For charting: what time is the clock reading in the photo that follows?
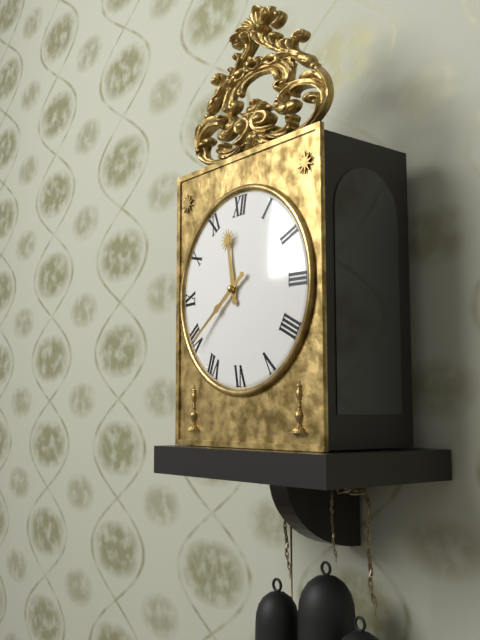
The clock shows 11:39
